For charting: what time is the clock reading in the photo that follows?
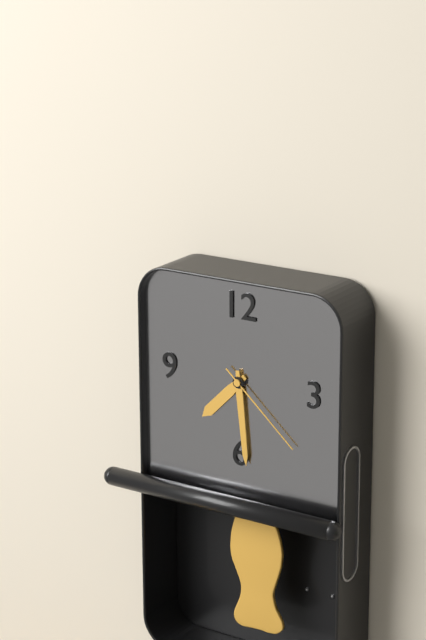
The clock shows 7:29:22
